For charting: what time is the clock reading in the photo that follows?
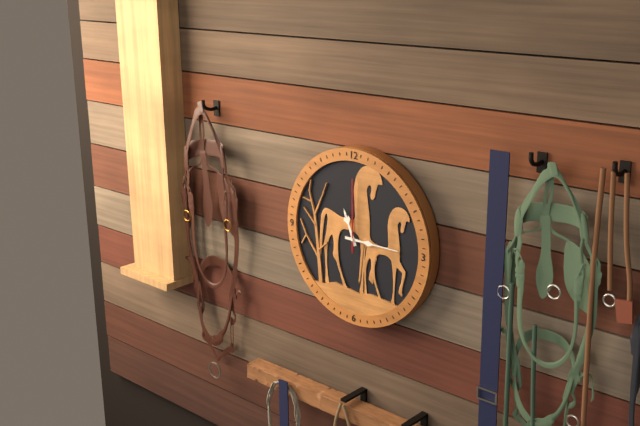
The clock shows 11:15:00
